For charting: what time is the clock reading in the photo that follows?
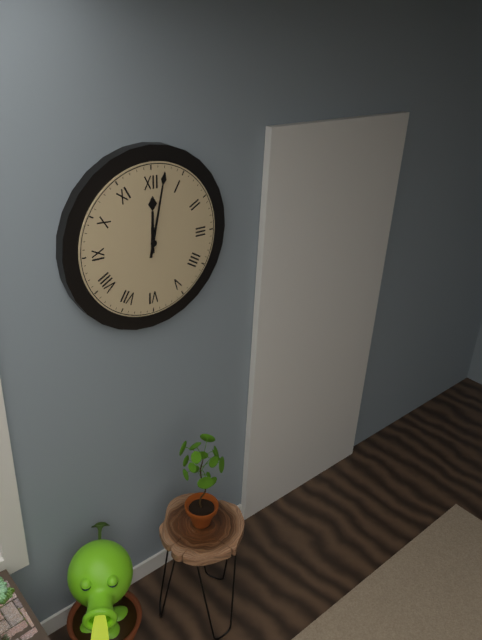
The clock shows 12:02
